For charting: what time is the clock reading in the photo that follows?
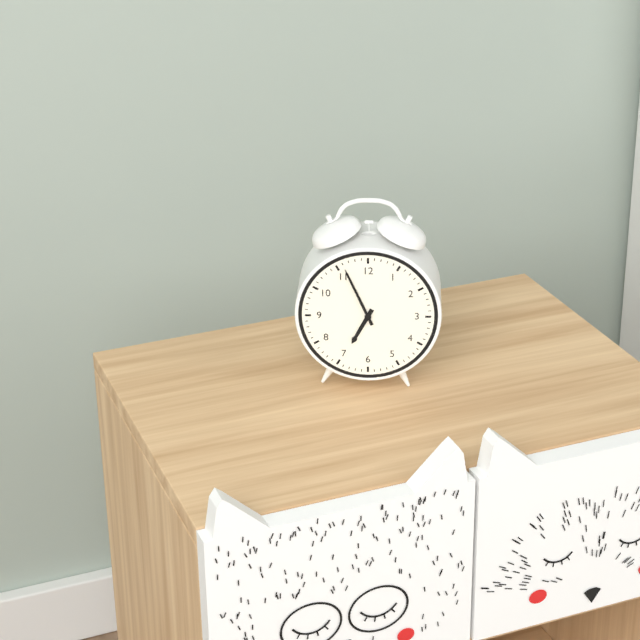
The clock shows 6:56
